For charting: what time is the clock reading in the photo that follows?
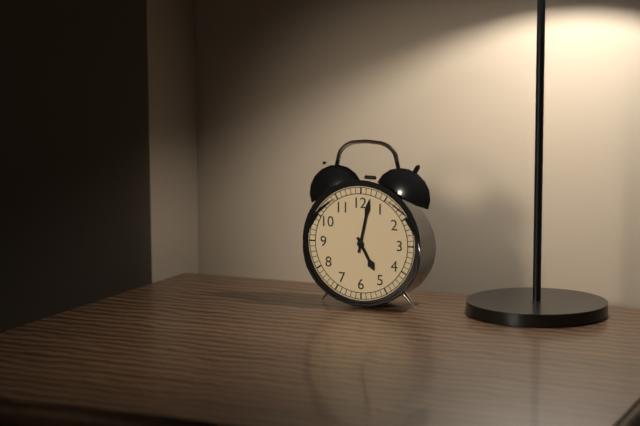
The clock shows 5:02
